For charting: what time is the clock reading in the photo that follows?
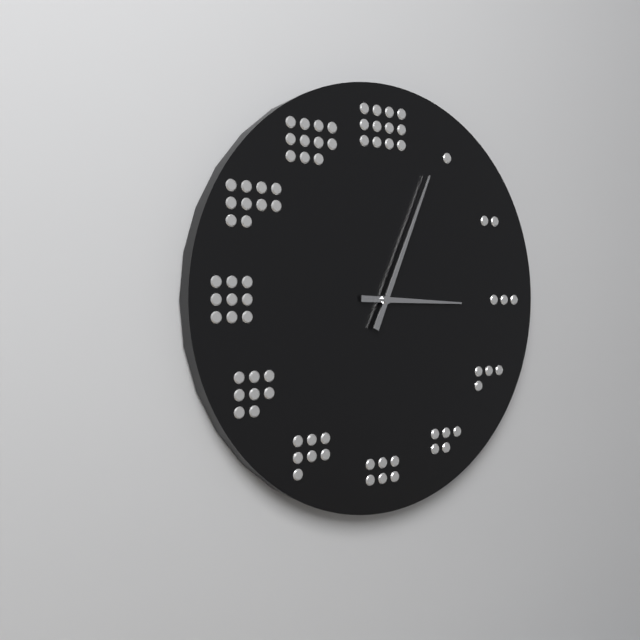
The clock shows 3:04
